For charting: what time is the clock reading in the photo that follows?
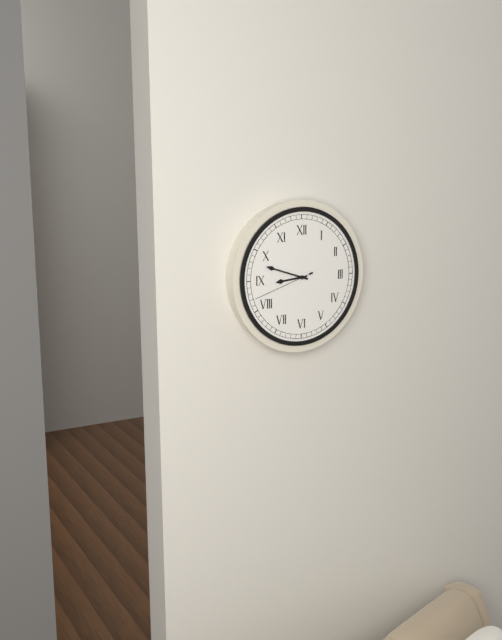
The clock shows 8:48:42
